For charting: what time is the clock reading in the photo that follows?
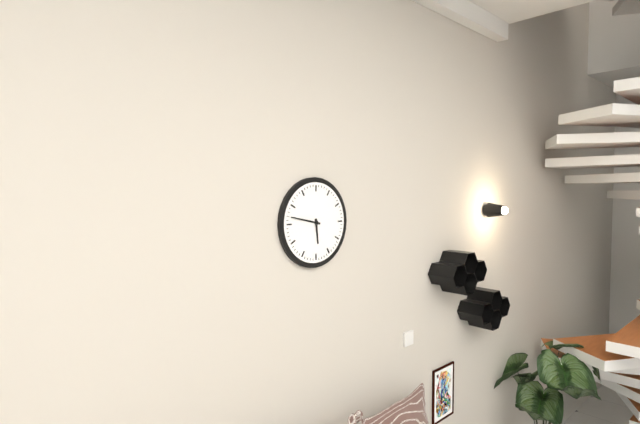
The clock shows 5:47
